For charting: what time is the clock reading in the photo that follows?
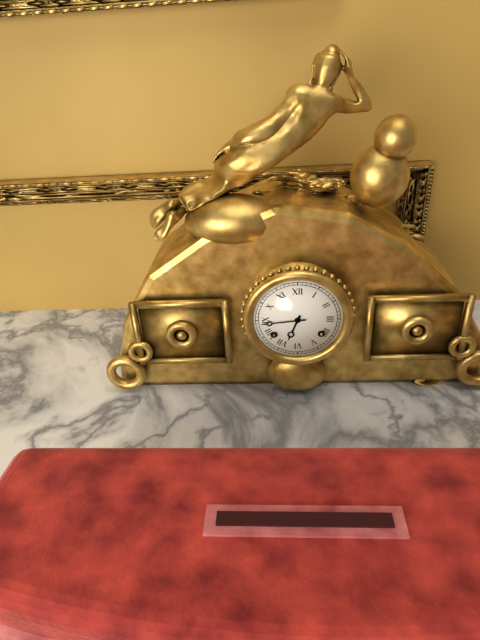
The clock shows 6:44
